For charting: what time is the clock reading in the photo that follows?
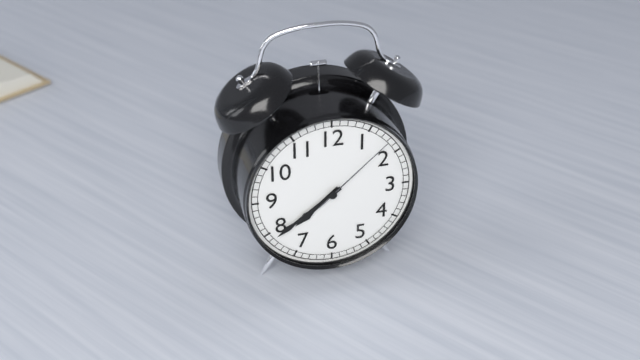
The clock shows 7:39:08
